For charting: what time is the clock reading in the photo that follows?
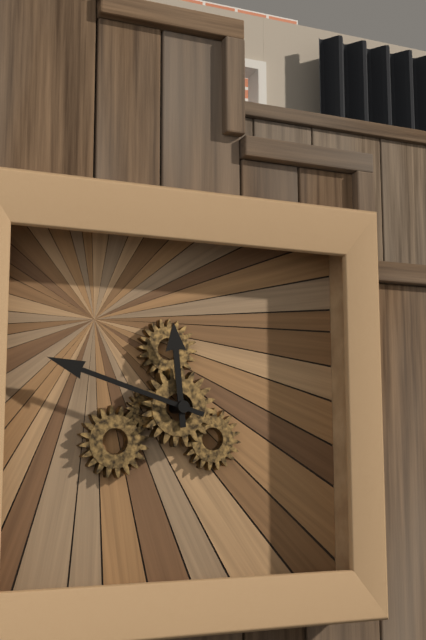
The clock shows 11:48
